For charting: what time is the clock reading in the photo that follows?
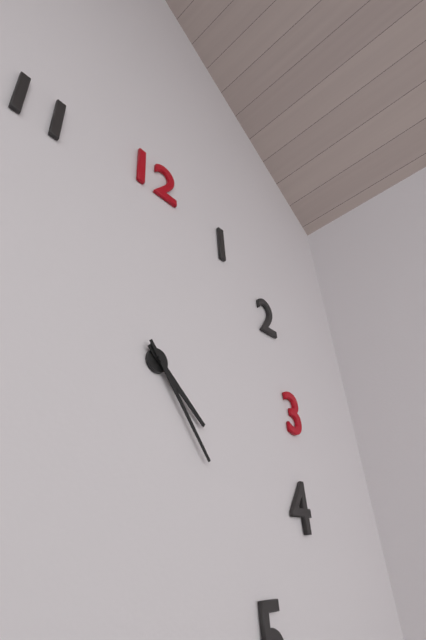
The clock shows 4:24
